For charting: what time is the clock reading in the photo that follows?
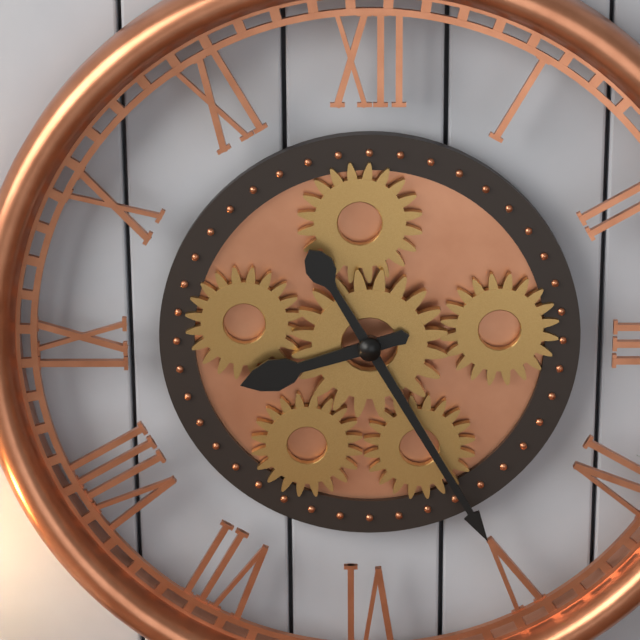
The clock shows 8:25
